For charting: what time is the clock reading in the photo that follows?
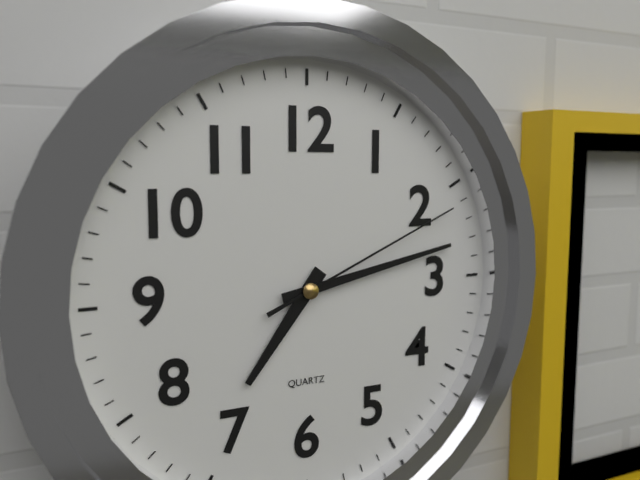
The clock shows 7:13:11
